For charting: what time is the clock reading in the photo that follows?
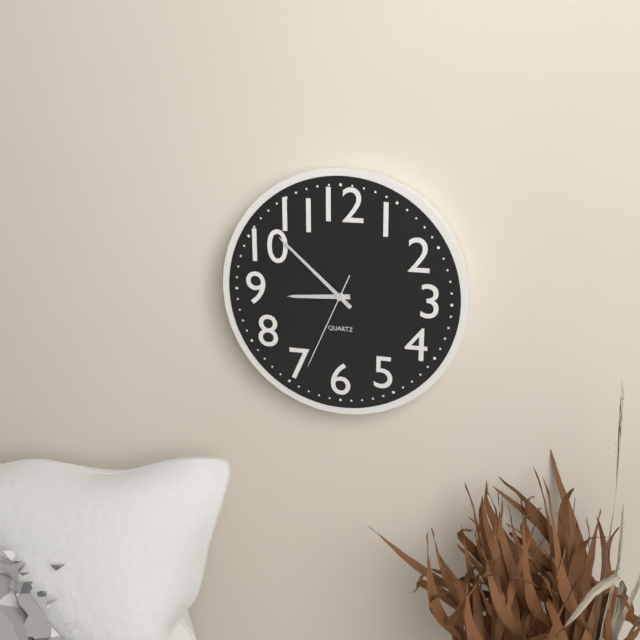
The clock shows 8:52:34
